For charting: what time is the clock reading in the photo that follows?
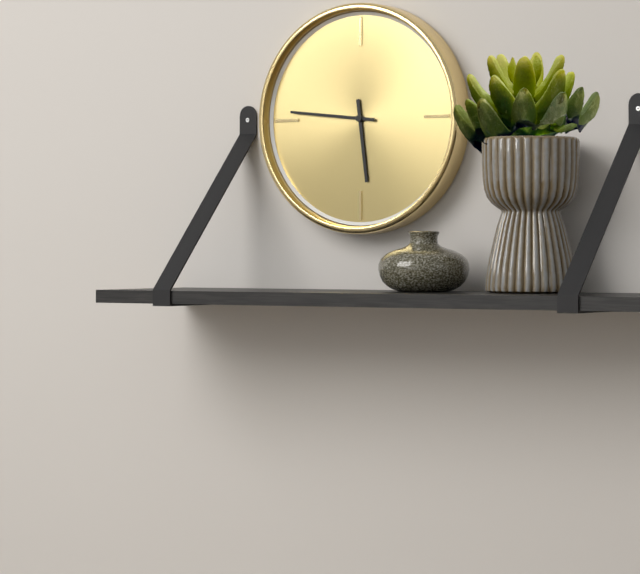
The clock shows 5:46
